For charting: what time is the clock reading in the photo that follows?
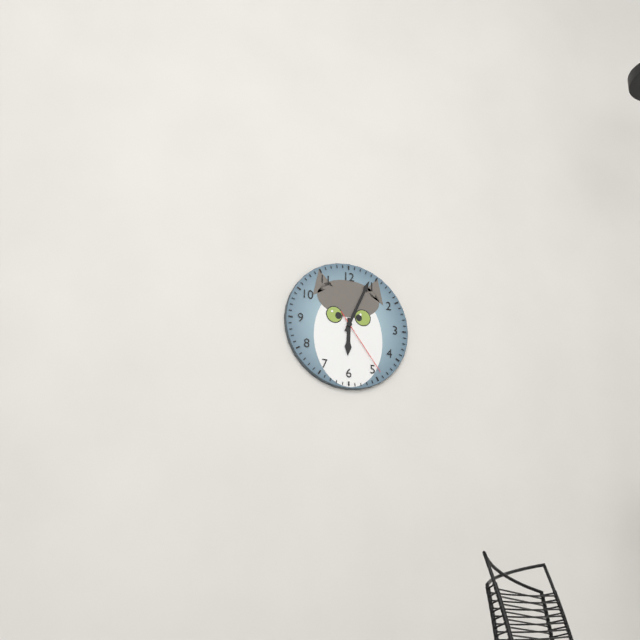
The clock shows 6:04:24
